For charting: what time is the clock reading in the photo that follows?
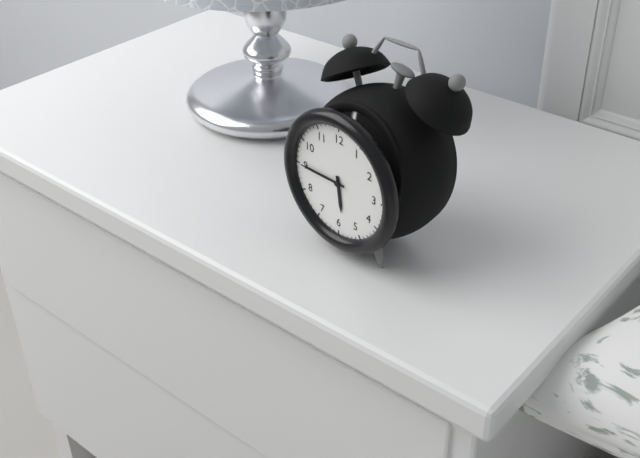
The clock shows 5:45
